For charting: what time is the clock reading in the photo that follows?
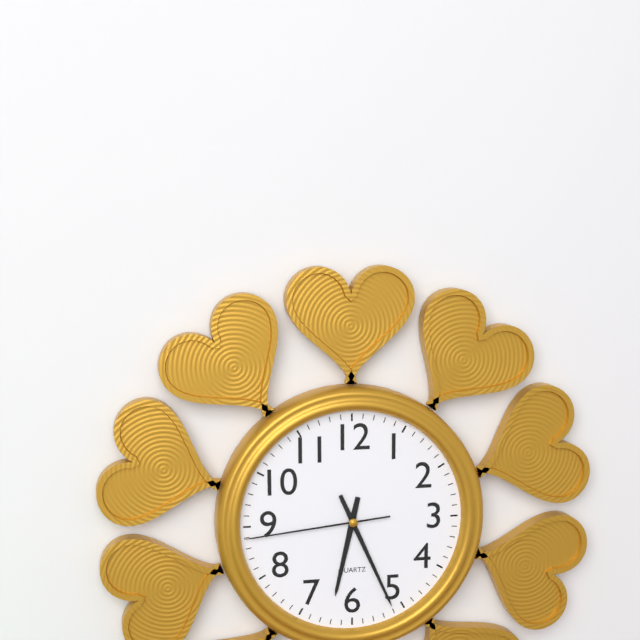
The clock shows 6:26:44
